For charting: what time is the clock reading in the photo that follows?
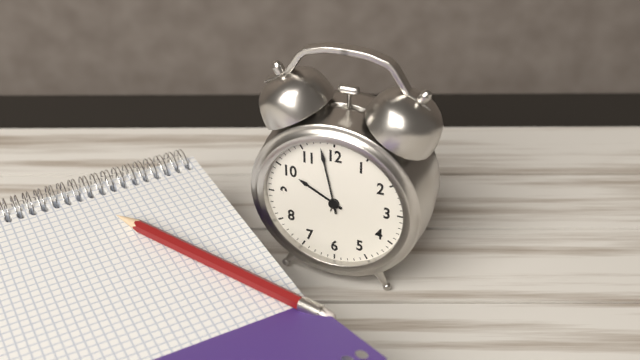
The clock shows 9:58
